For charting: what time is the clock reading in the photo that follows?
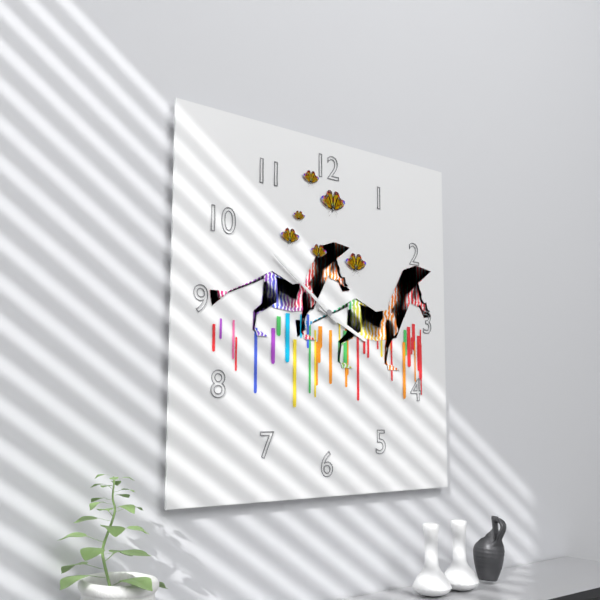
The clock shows 3:51
